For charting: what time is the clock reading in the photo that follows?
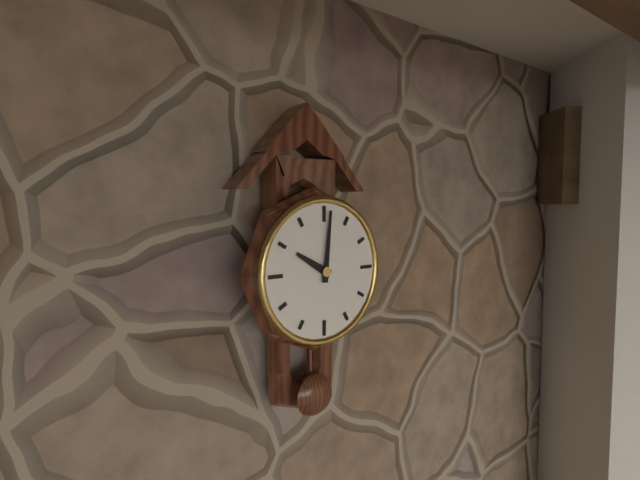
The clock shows 10:01
